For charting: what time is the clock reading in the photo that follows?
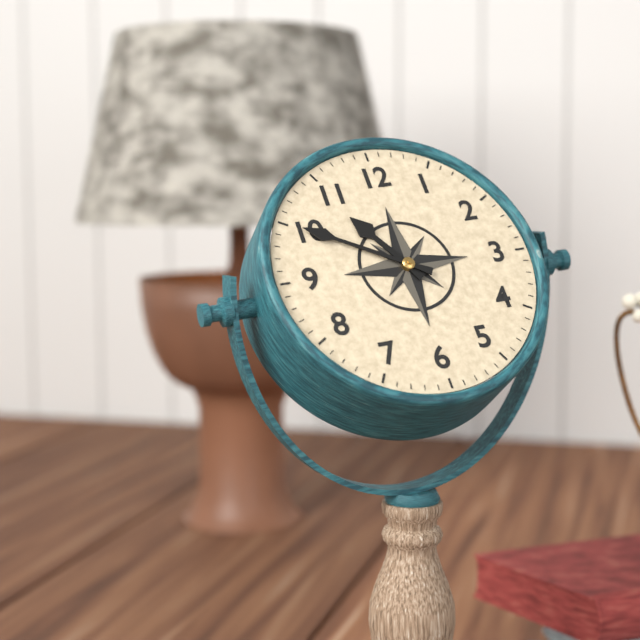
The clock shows 10:50
